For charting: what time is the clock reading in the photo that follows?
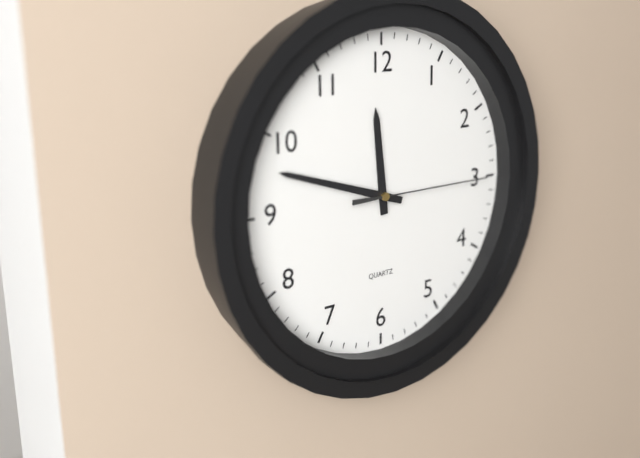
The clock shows 11:48:15
